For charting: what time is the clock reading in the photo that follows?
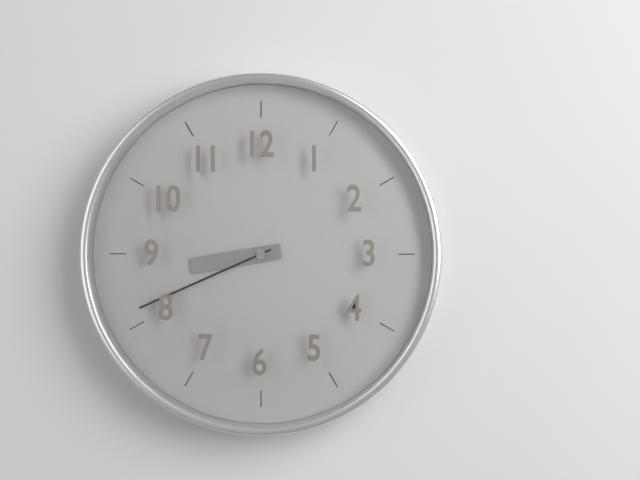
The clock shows 8:41
